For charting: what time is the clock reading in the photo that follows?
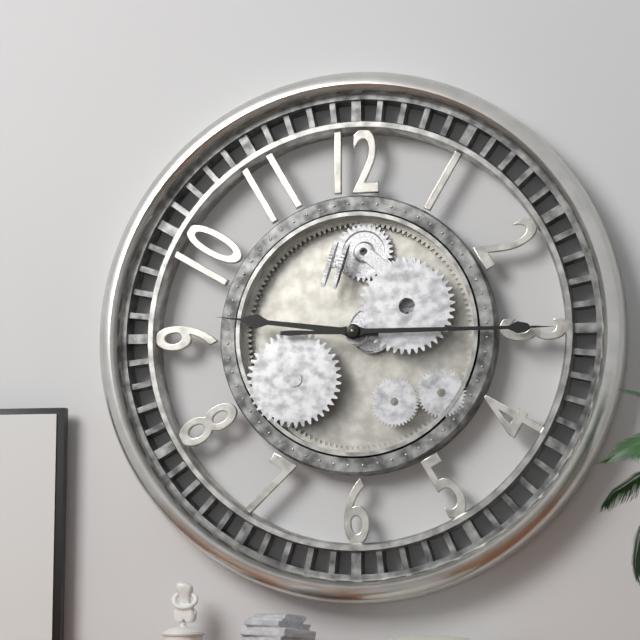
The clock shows 9:15
